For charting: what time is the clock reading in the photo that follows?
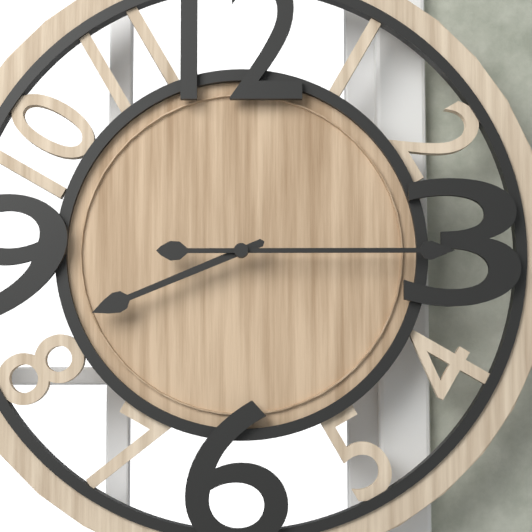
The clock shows 8:15
